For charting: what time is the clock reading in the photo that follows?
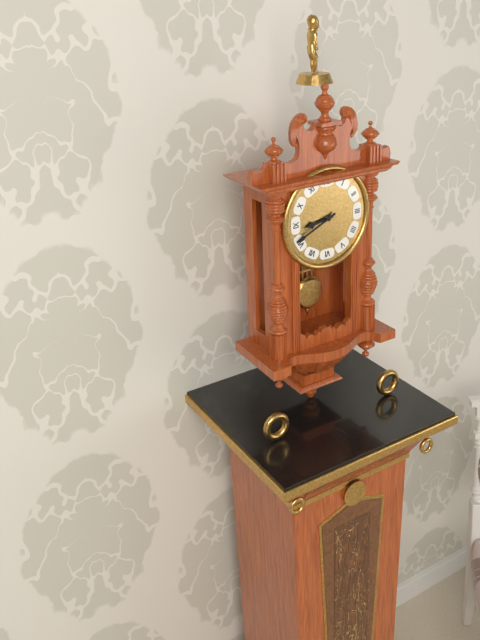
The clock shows 8:41
